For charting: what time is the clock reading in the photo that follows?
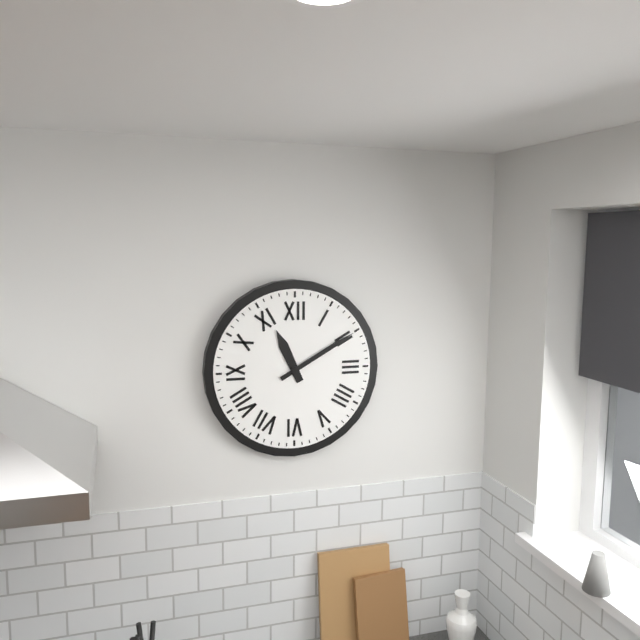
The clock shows 11:10
